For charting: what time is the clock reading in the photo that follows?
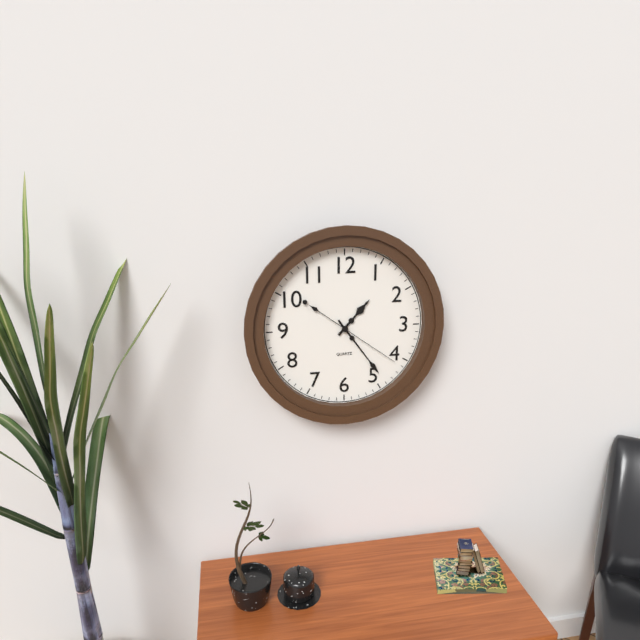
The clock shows 1:24:21
